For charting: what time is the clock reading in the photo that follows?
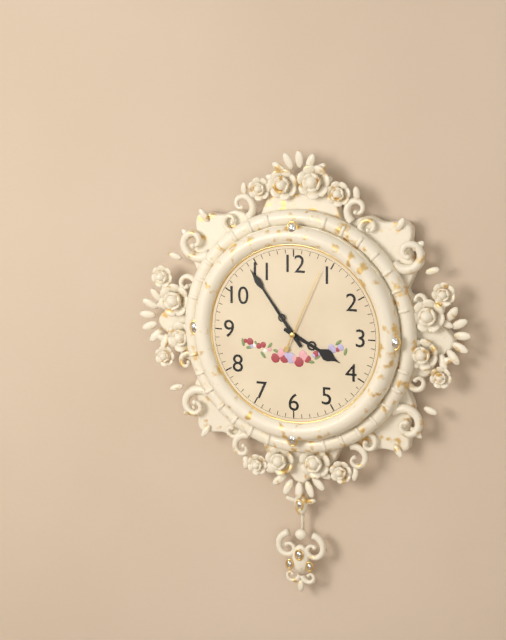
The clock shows 3:54:04
